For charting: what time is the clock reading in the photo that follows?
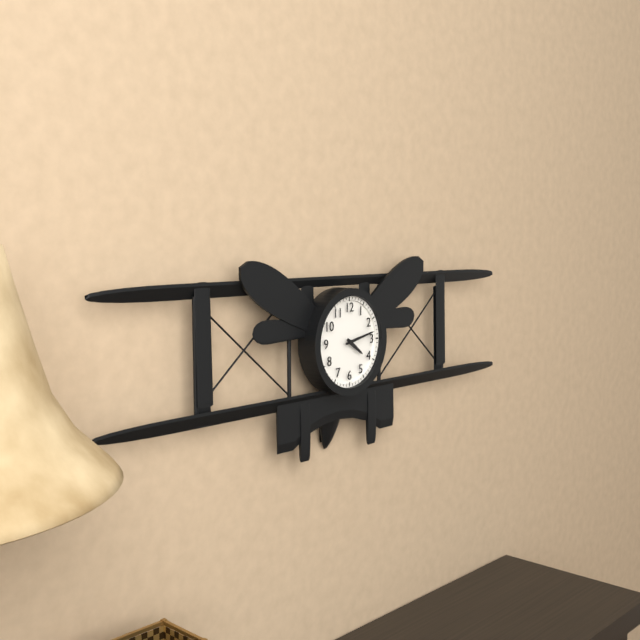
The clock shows 4:13
